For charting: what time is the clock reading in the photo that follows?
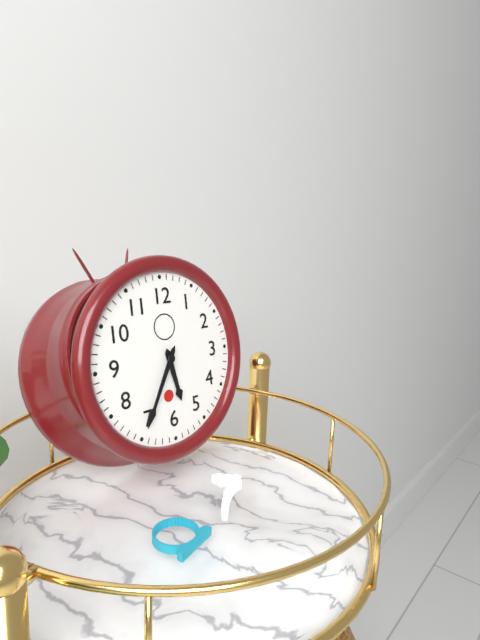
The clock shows 5:35
